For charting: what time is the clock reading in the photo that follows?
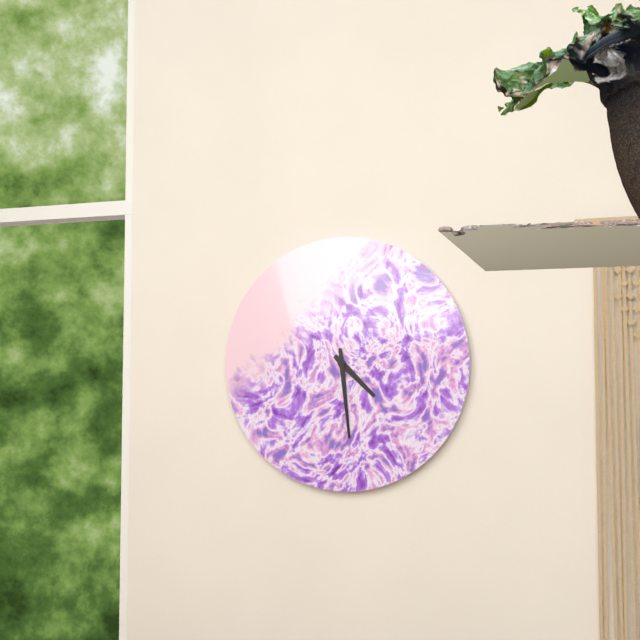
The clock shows 4:29
